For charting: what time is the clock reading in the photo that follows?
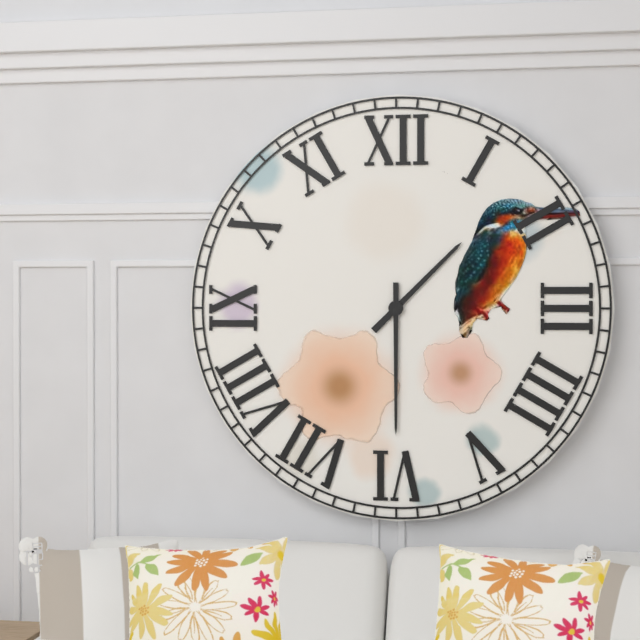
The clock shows 1:30
